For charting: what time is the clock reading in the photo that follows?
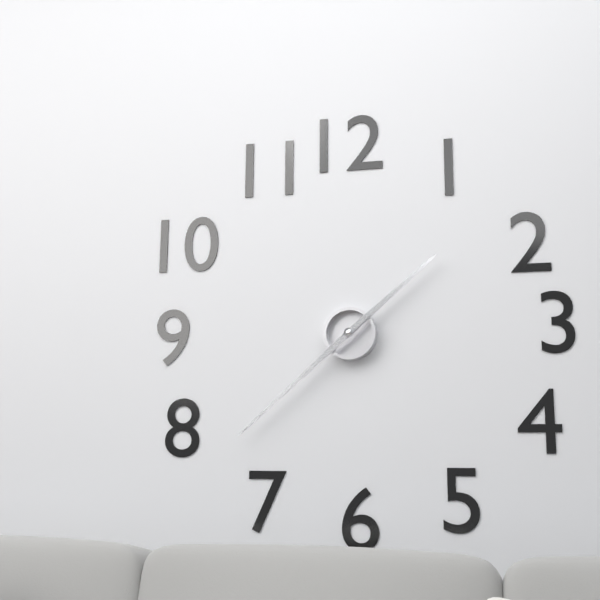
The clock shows 1:38
